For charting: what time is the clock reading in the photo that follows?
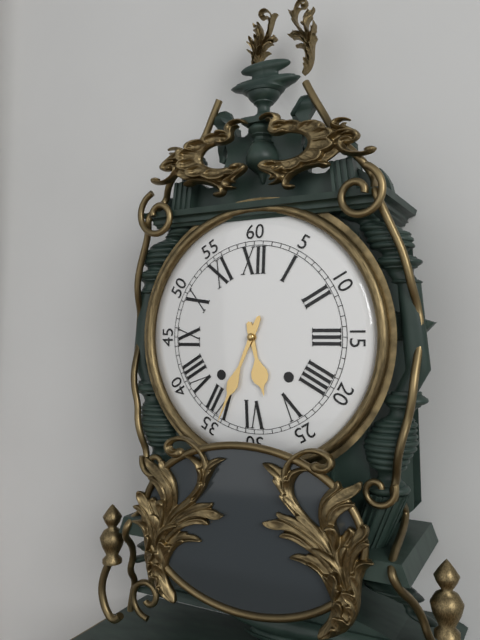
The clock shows 5:34
